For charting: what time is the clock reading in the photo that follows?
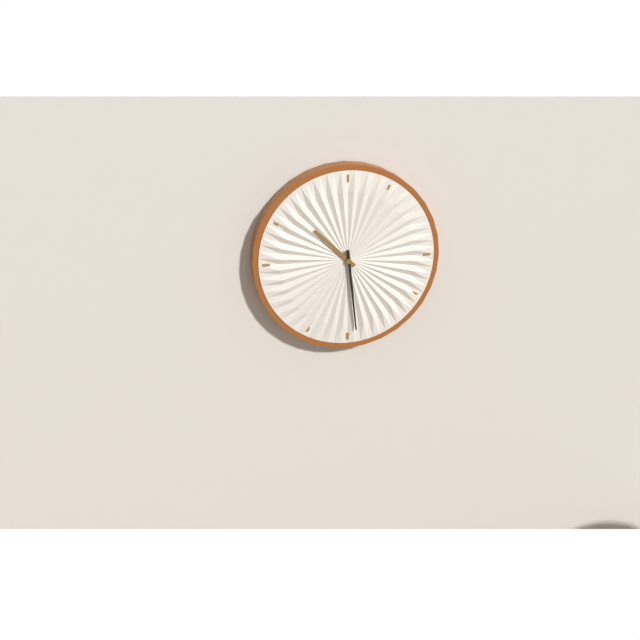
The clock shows 10:29
